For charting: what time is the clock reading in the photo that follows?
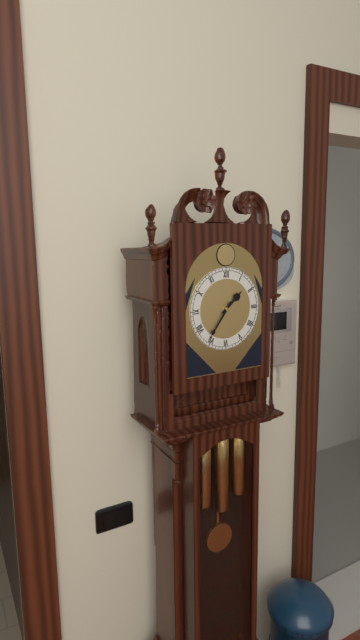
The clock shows 1:36
